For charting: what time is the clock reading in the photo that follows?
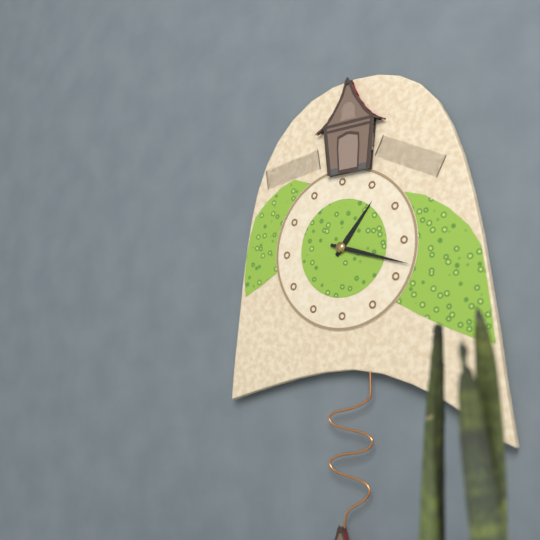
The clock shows 1:18
